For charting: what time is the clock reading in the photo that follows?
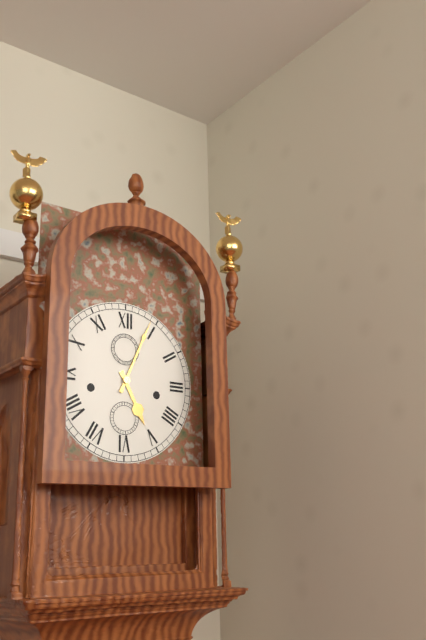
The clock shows 5:04
